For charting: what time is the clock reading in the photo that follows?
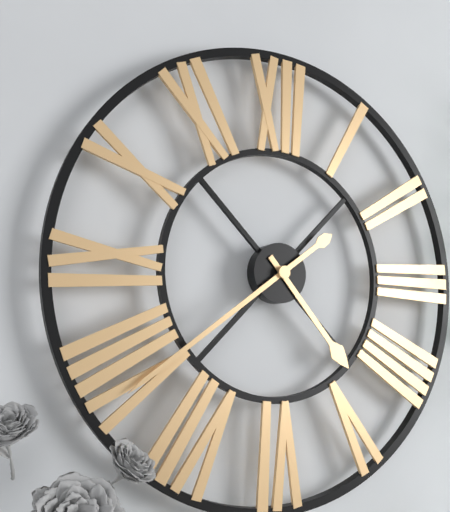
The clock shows 4:39
